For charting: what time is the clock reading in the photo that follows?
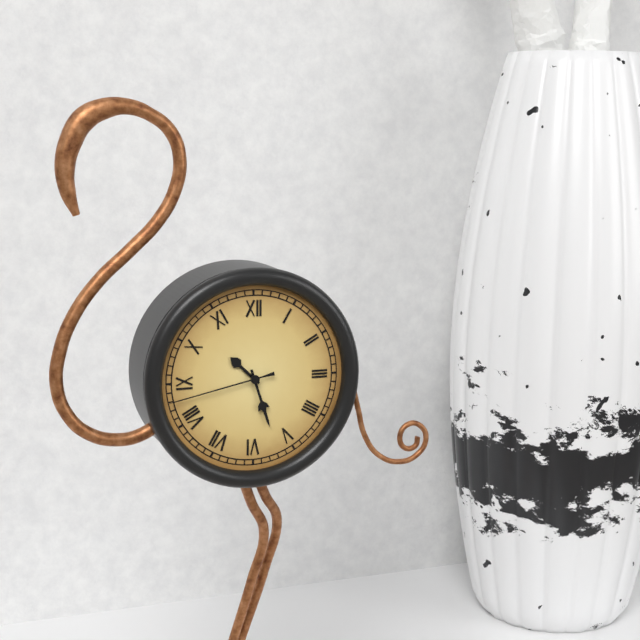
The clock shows 10:27:43
